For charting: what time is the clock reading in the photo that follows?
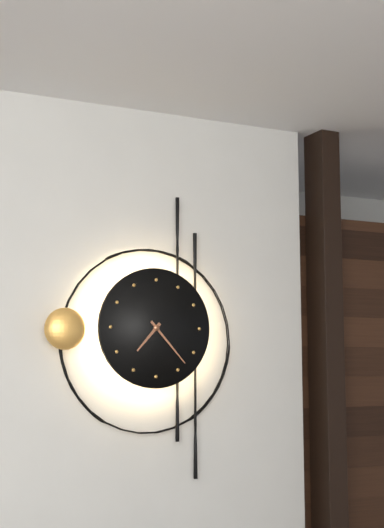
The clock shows 7:23
